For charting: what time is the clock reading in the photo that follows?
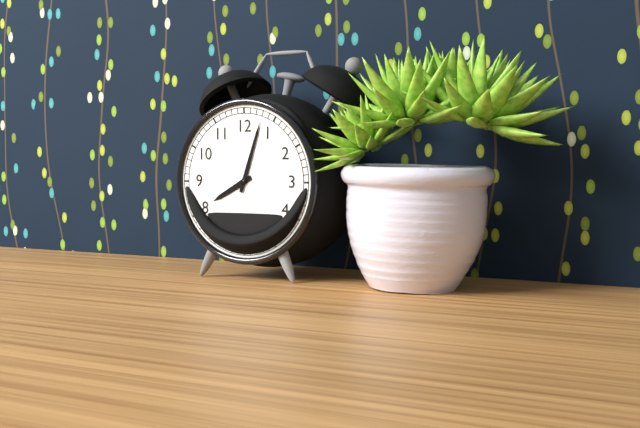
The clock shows 8:03
